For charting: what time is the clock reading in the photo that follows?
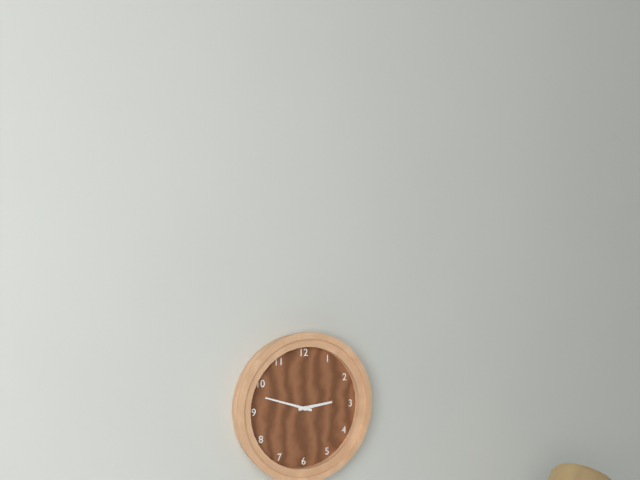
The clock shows 2:48
